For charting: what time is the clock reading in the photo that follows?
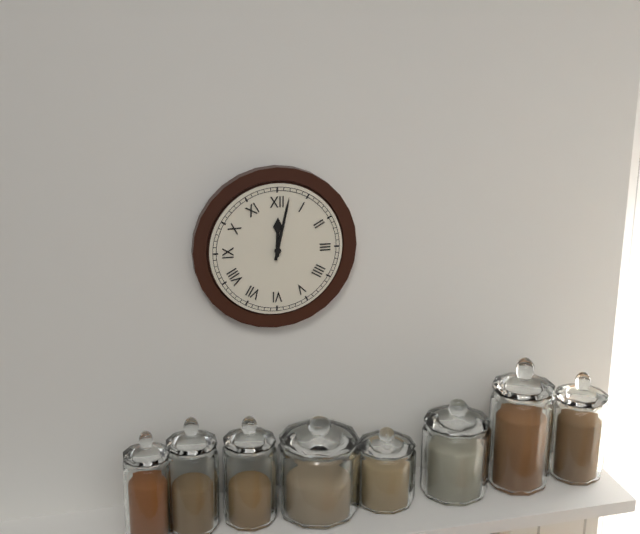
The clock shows 12:02
